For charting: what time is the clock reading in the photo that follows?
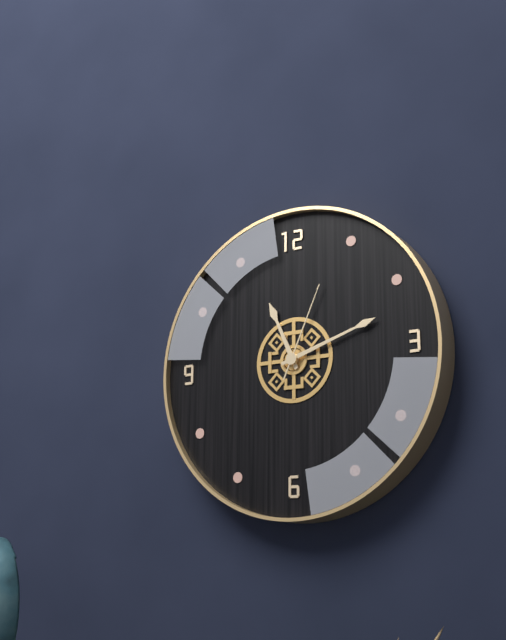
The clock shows 11:12:04
